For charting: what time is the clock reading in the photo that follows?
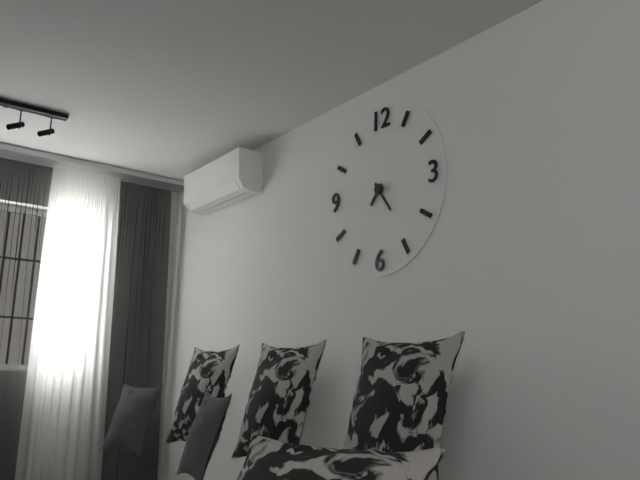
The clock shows 7:24
